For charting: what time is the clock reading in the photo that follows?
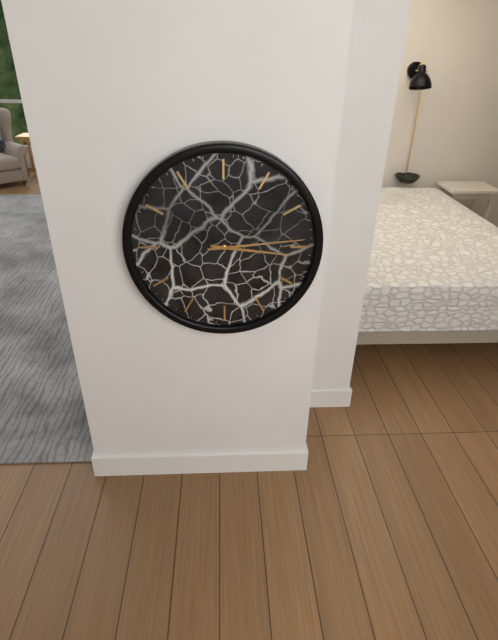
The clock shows 3:14
